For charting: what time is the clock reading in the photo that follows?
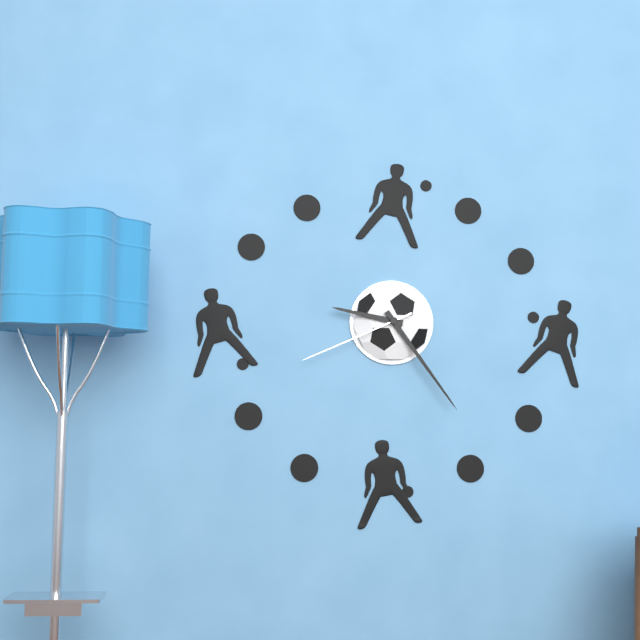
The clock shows 9:24:41
